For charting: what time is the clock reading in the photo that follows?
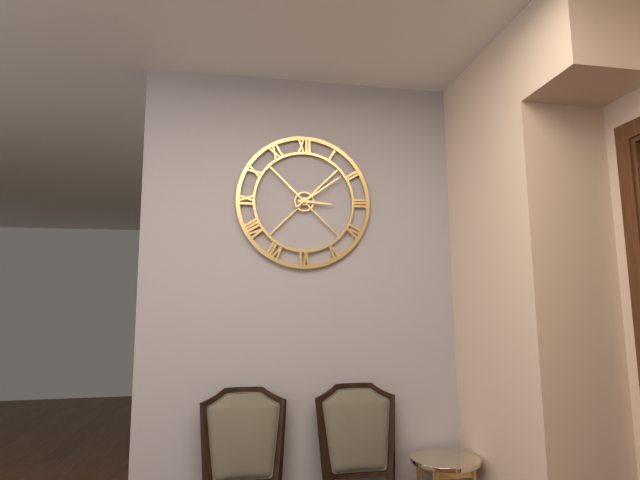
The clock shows 3:09
